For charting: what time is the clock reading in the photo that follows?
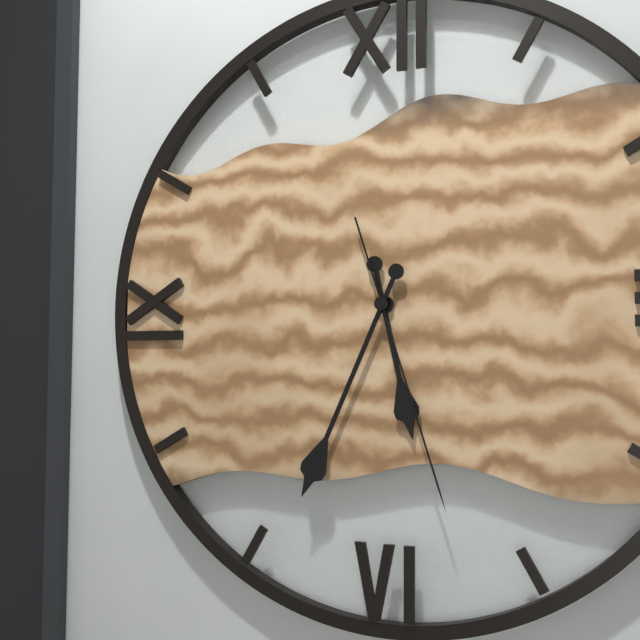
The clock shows 5:34:27
